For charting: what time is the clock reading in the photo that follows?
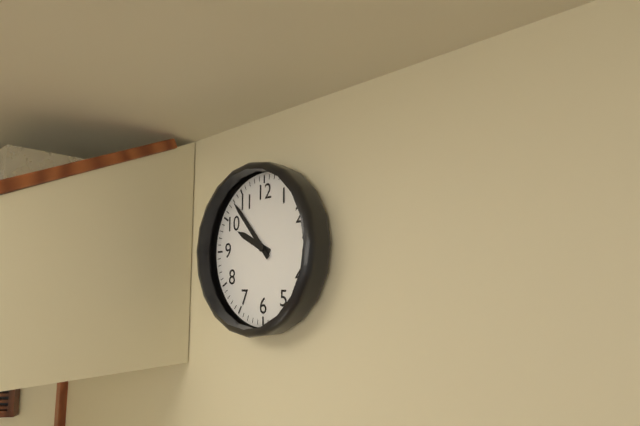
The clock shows 9:53
